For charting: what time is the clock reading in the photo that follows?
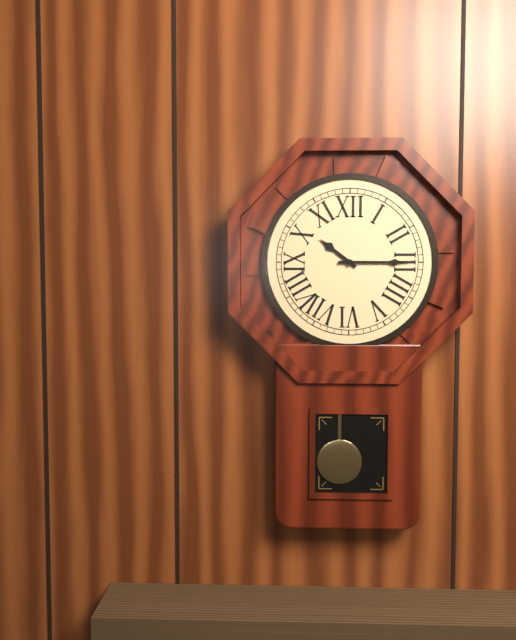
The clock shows 10:15
